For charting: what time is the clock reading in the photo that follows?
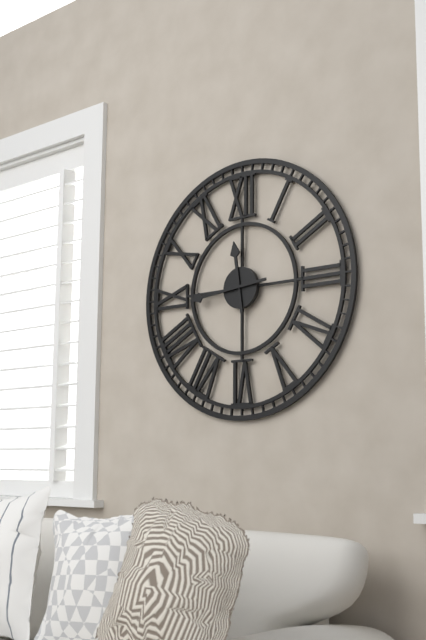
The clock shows 11:44
